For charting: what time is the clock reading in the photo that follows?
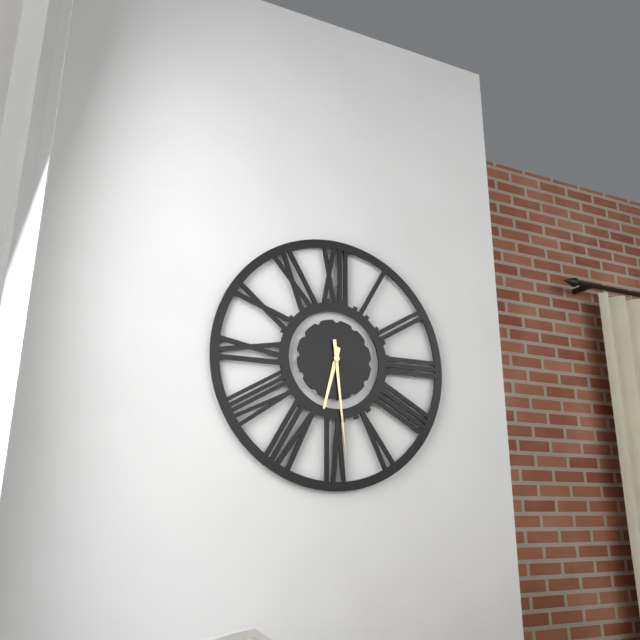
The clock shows 6:29
